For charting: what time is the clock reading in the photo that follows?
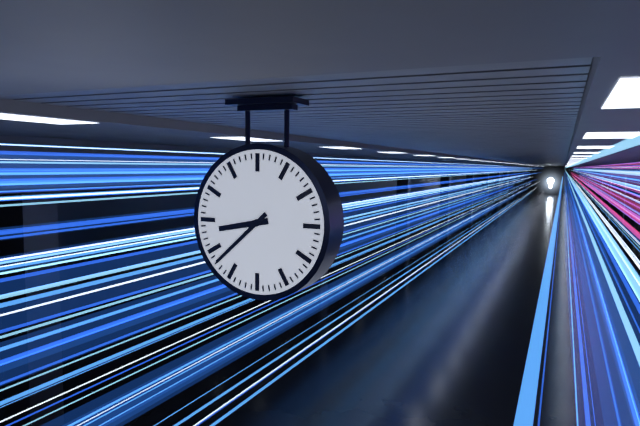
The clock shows 8:38
